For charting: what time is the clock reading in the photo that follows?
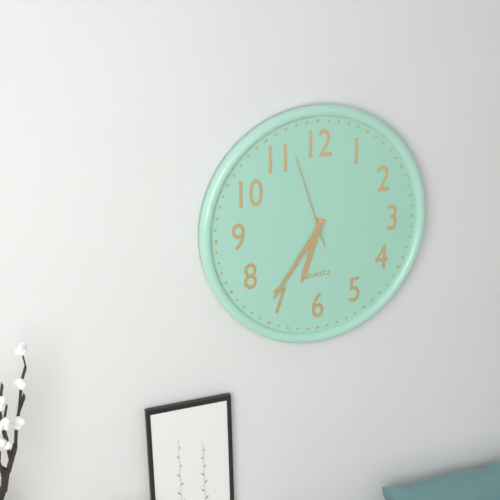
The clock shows 6:36:57
